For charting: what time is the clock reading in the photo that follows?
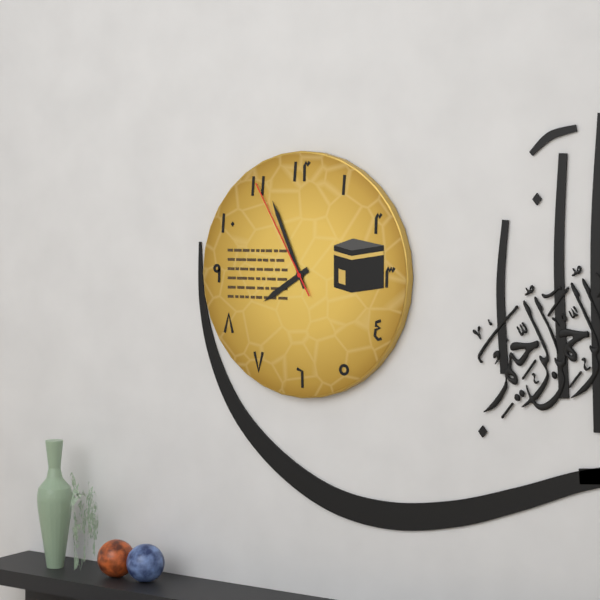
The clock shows 7:56:55
